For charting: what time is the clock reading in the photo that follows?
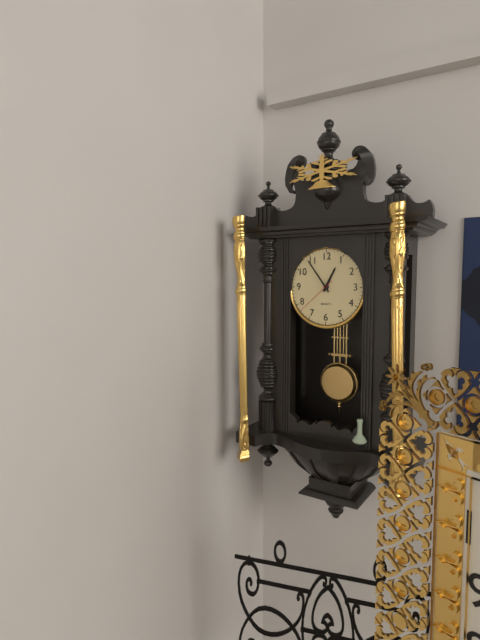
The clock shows 12:54
